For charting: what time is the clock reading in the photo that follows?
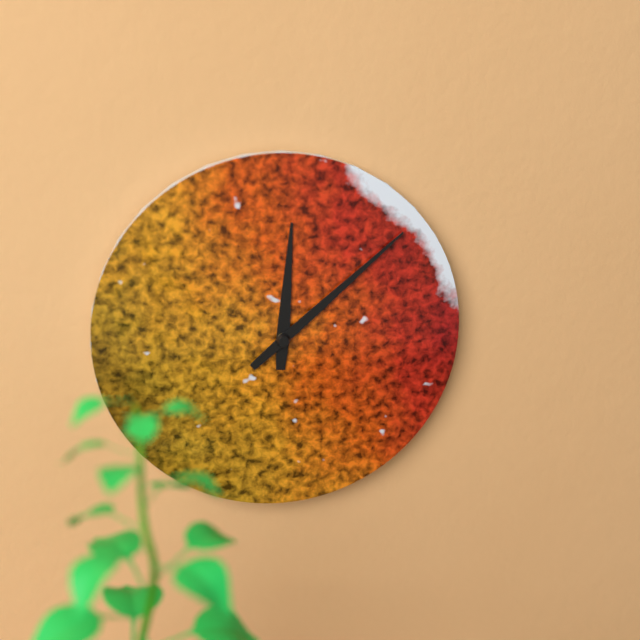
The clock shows 12:08
